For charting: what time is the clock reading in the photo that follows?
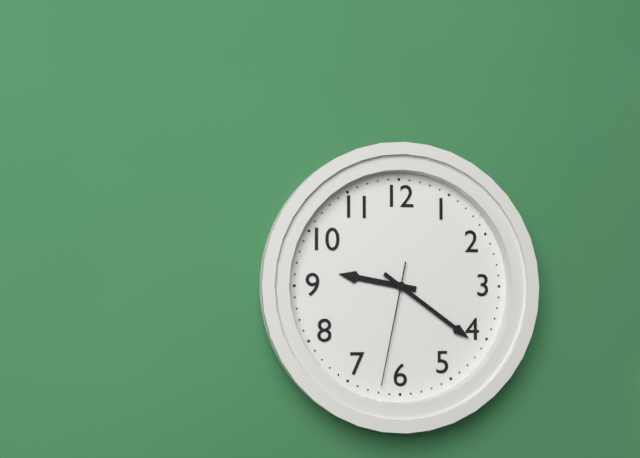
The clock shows 9:21:32
